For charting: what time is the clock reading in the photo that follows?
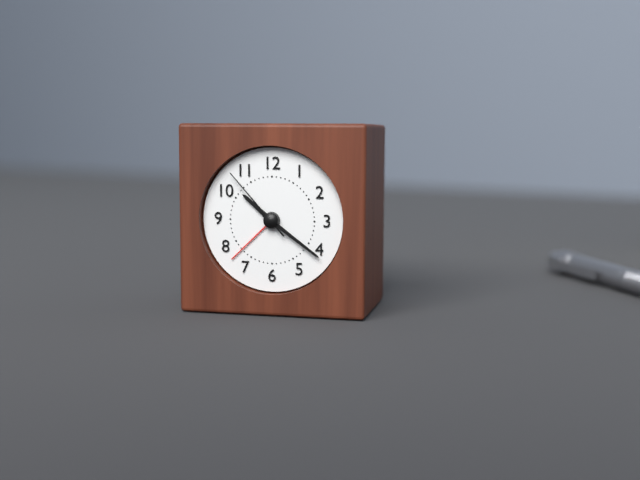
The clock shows 10:21:53
